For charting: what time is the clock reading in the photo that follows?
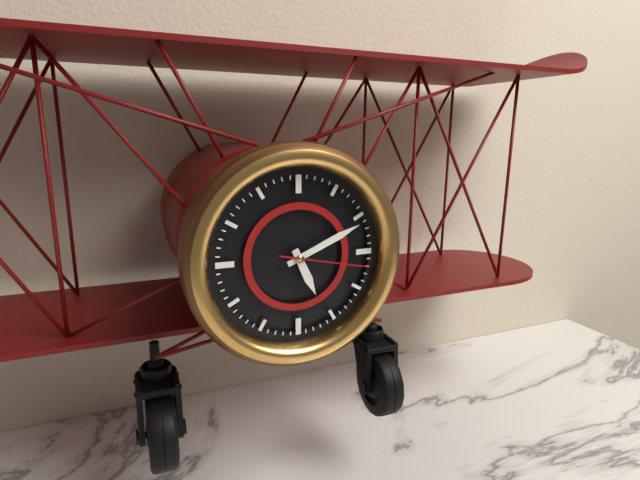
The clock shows 5:11:17
